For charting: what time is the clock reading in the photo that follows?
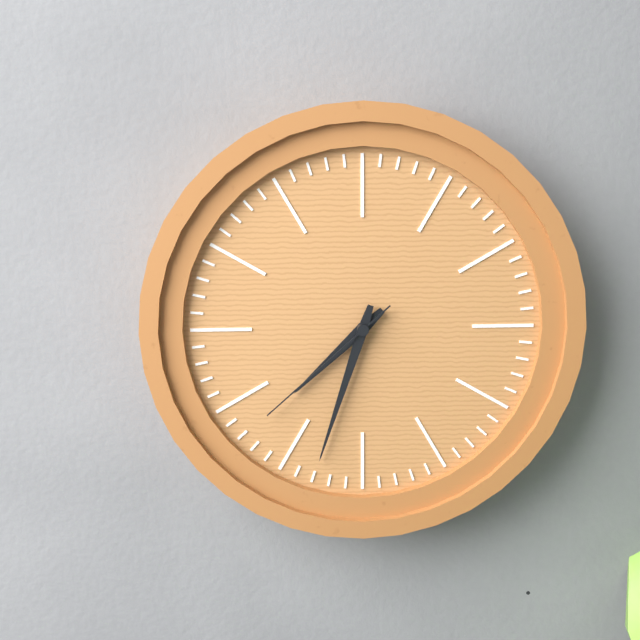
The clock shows 7:33:38
